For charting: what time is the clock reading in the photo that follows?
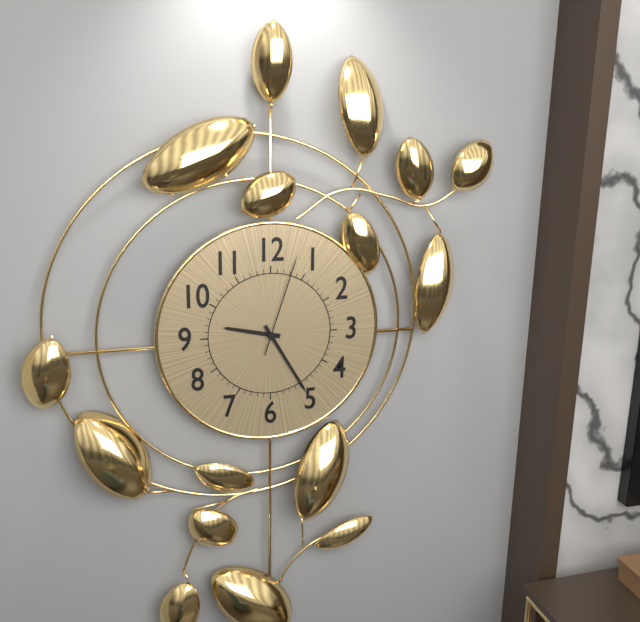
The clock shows 9:25:03
